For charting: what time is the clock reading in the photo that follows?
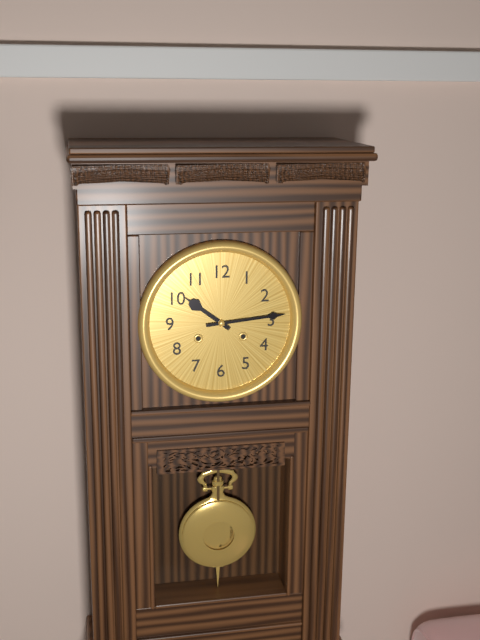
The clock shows 10:14
